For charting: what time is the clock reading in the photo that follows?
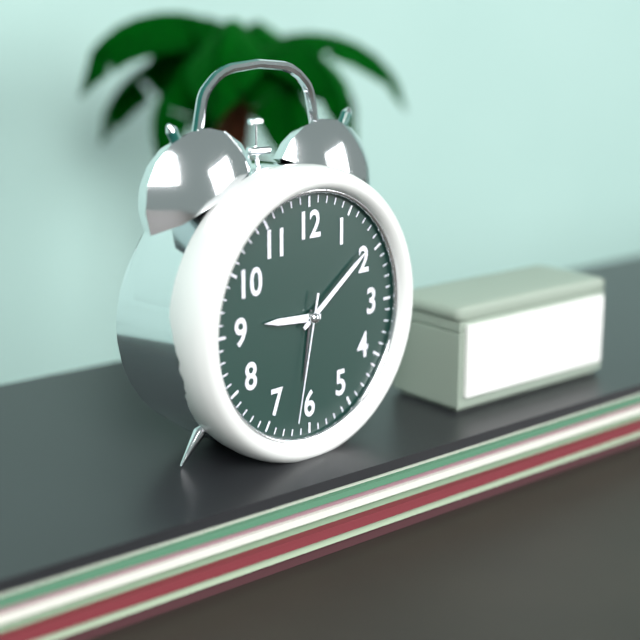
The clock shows 9:09:32
